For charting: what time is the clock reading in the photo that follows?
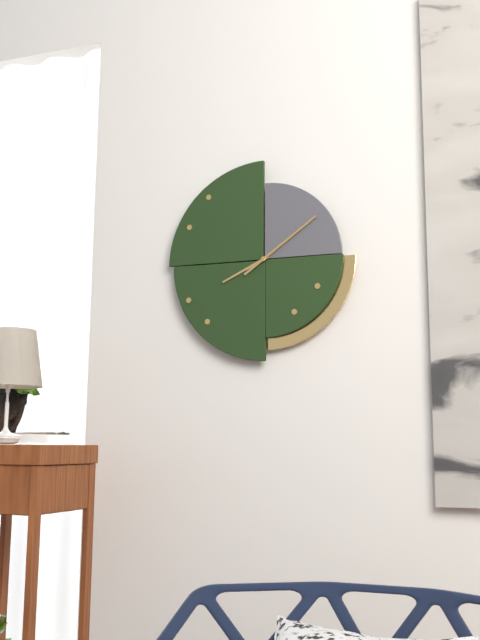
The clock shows 8:09
